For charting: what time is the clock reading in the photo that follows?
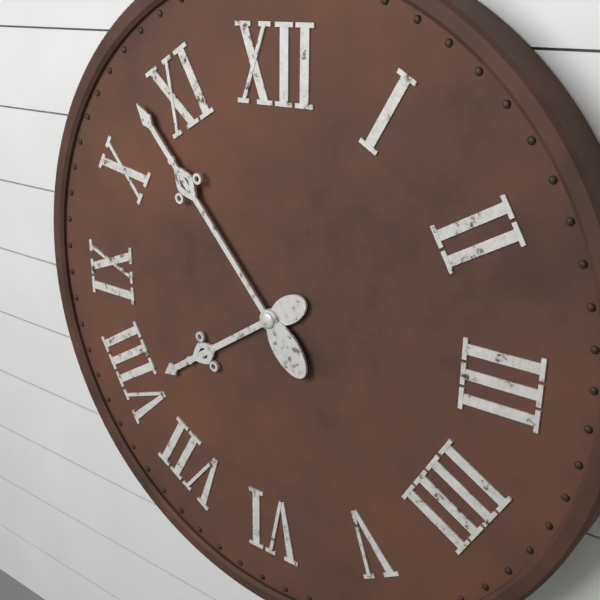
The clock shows 7:53
